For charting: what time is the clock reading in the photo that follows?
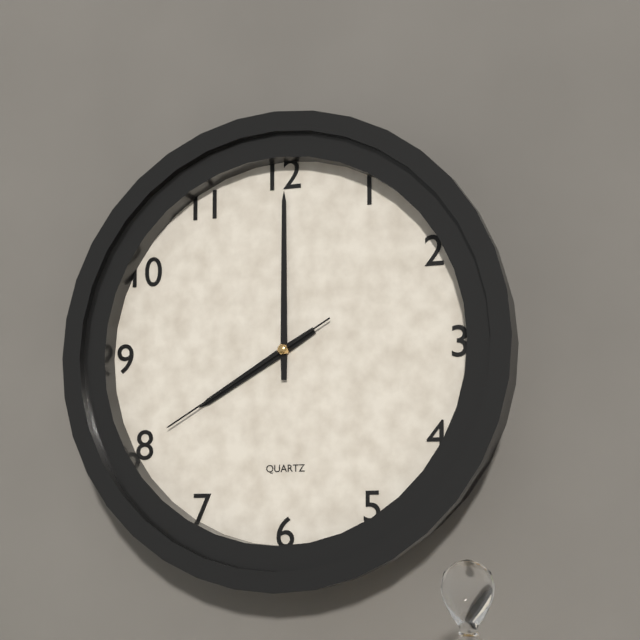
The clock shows 8:00:40
